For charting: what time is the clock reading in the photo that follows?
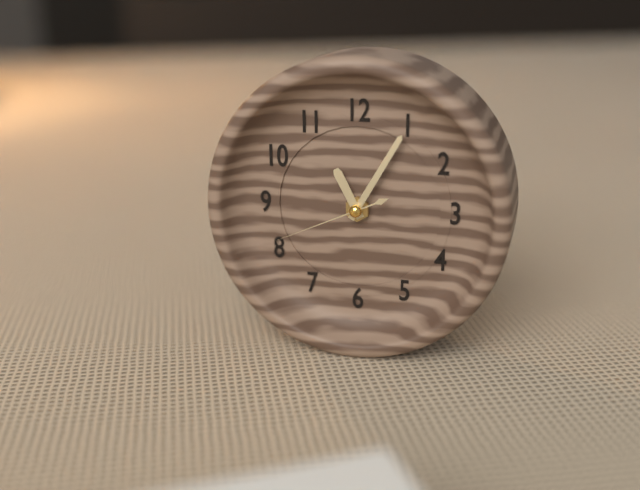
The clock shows 11:05:41
